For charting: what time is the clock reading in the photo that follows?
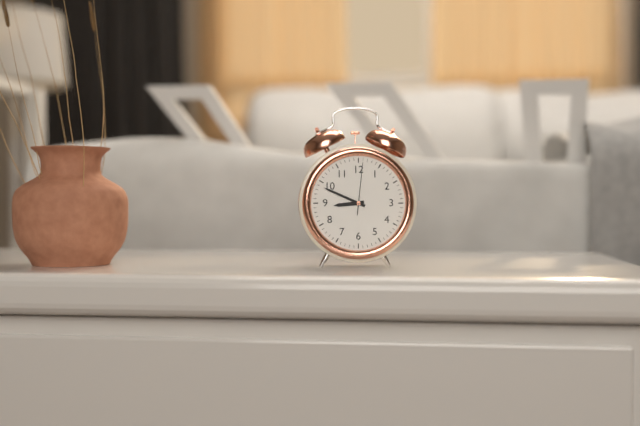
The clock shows 8:49:01
